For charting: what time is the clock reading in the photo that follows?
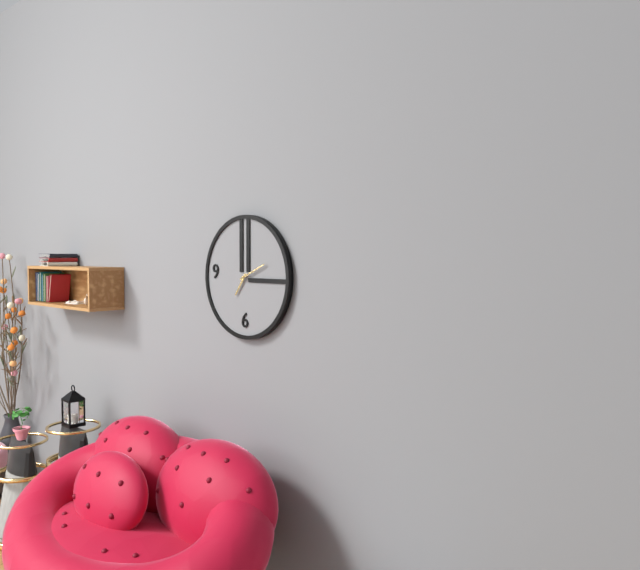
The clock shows 7:11
